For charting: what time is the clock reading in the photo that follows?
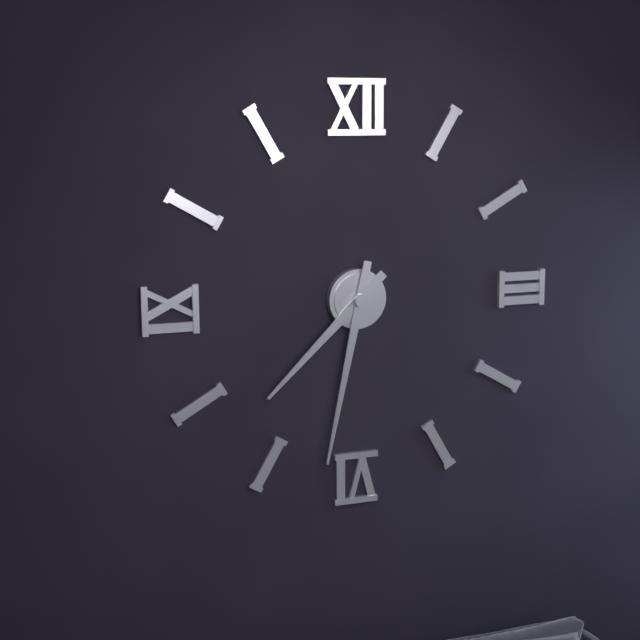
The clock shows 7:32
